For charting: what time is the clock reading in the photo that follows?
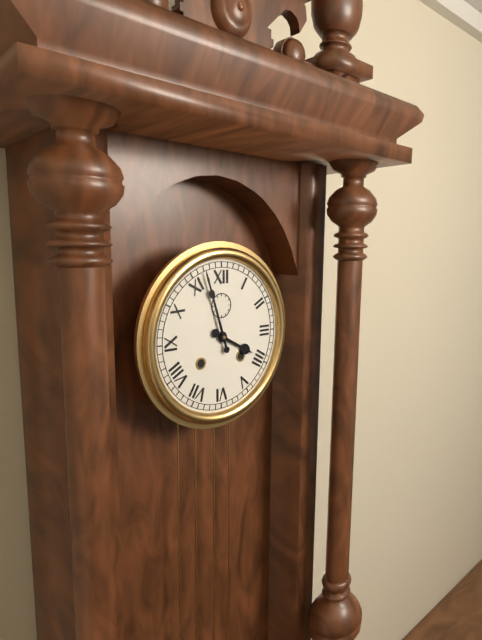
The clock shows 3:57
